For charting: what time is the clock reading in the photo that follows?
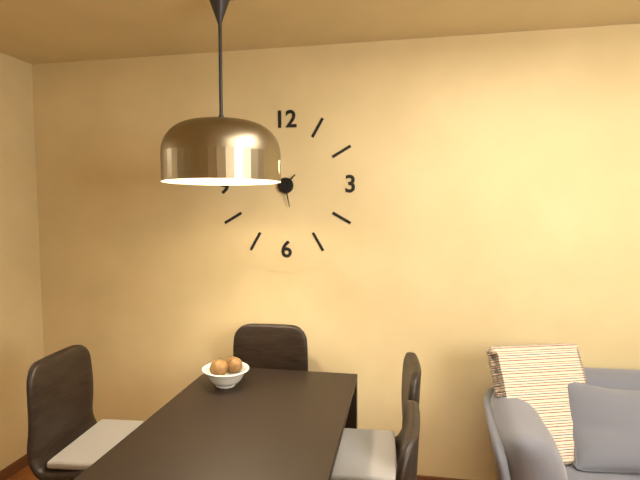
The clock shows 1:28
